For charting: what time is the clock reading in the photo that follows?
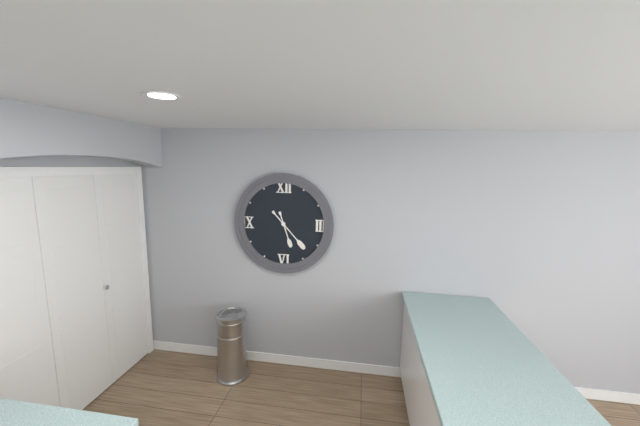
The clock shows 5:23
